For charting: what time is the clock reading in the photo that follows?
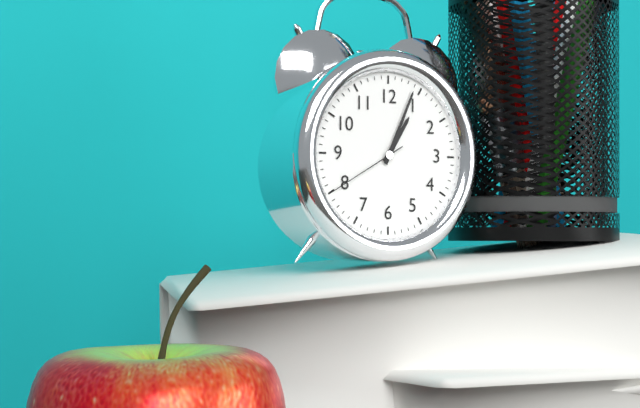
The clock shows 1:04:40
